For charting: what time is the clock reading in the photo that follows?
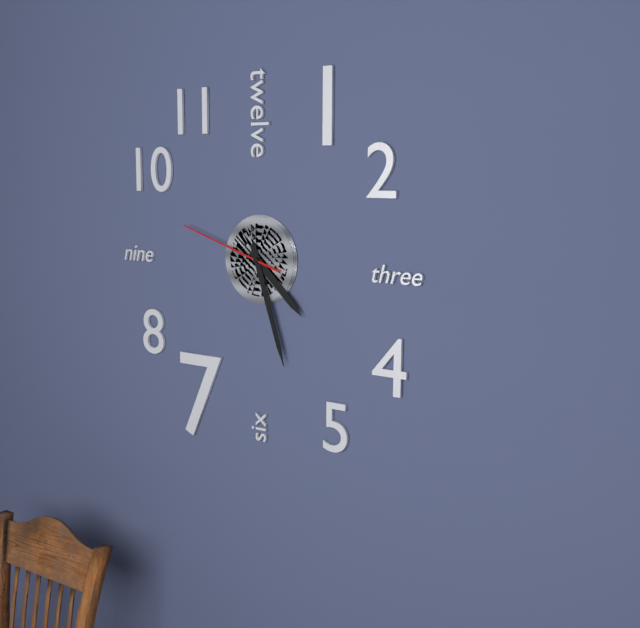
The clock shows 4:27:48
